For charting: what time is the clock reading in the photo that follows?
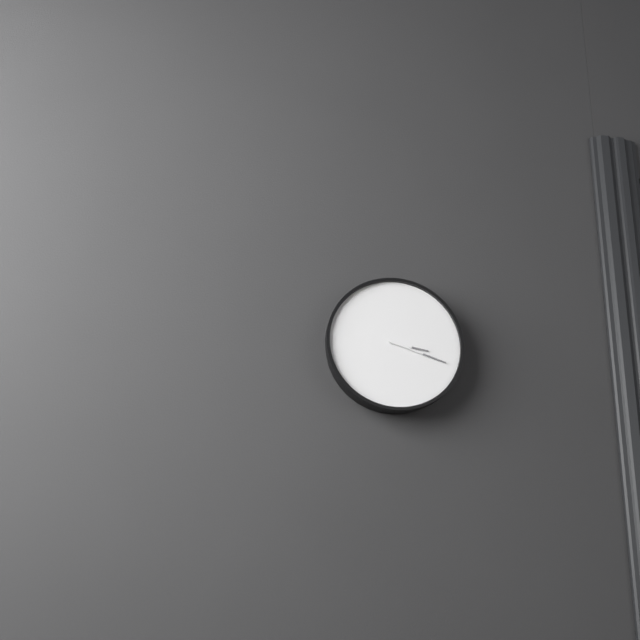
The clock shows 3:18
